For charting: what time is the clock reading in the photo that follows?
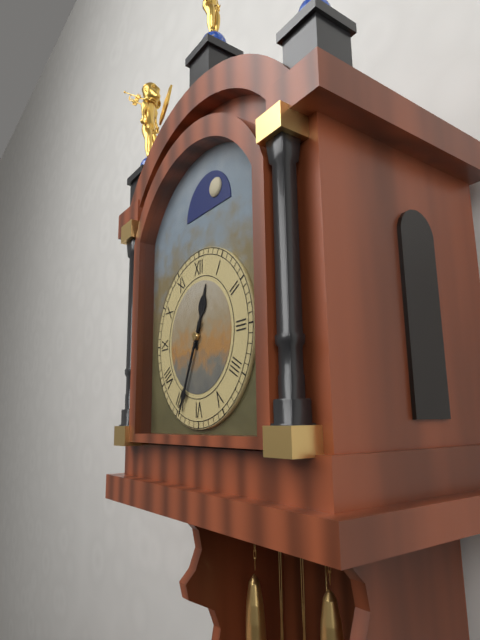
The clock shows 12:34
